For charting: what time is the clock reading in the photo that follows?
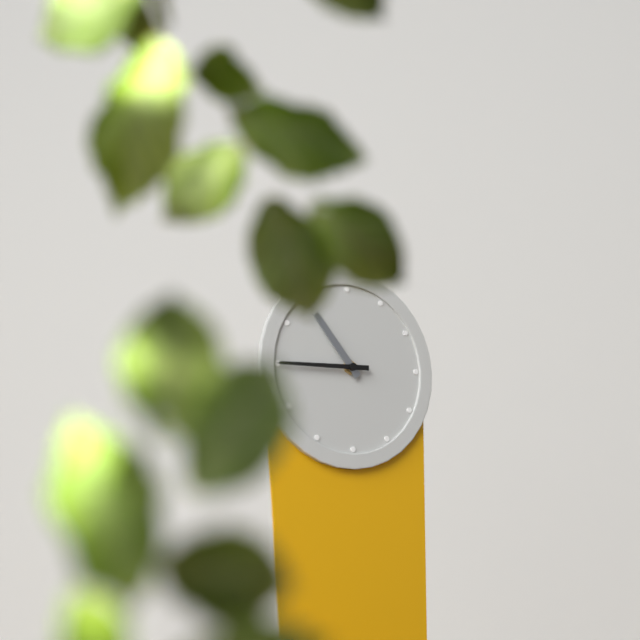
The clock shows 10:45
